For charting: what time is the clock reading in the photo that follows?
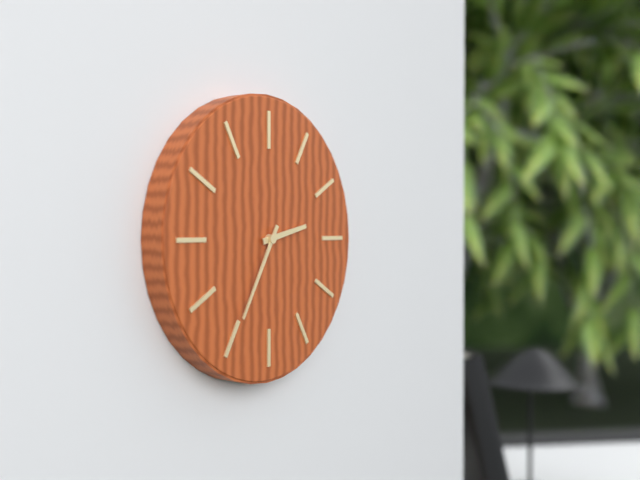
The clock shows 2:35
